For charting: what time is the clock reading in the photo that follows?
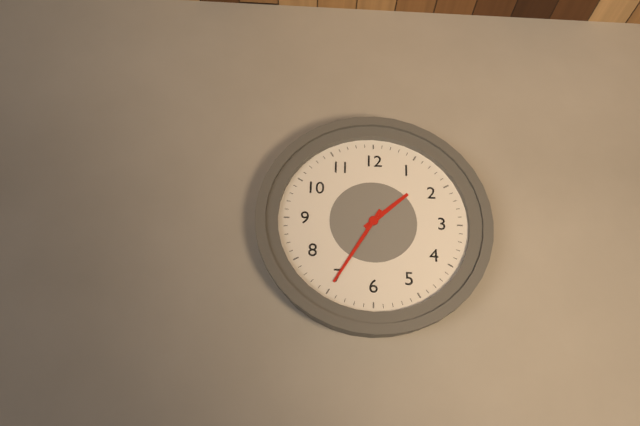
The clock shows 1:35
